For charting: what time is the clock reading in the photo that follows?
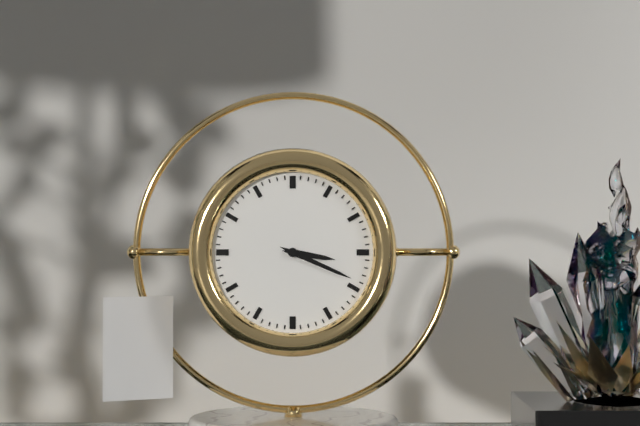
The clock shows 3:19
